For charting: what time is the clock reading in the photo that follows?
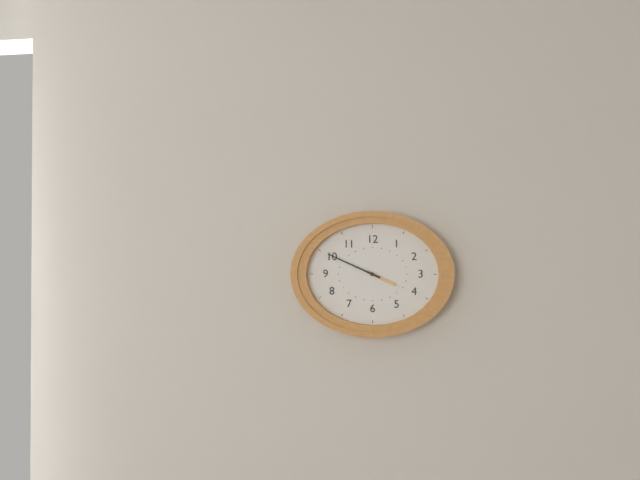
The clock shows 3:49
